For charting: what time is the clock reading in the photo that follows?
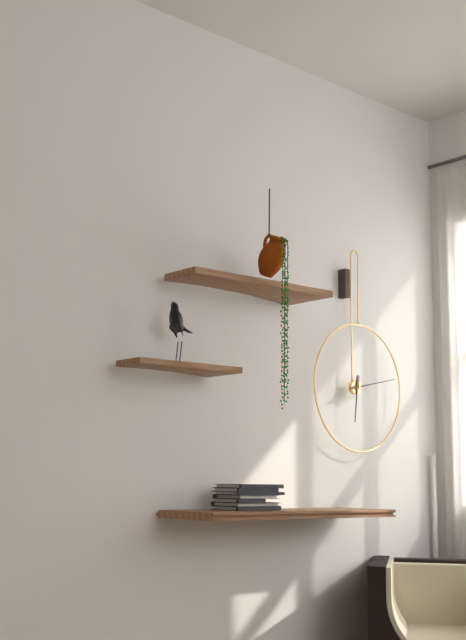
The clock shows 6:13
